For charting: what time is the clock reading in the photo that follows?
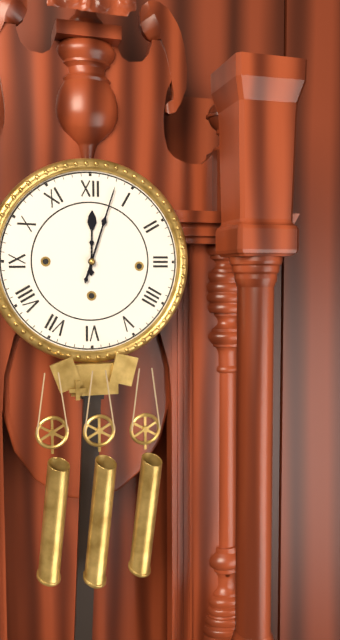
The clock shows 12:03
